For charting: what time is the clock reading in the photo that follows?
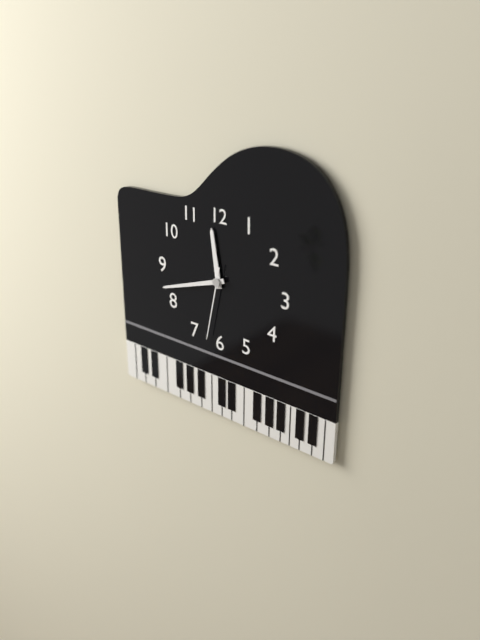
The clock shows 11:42:32
